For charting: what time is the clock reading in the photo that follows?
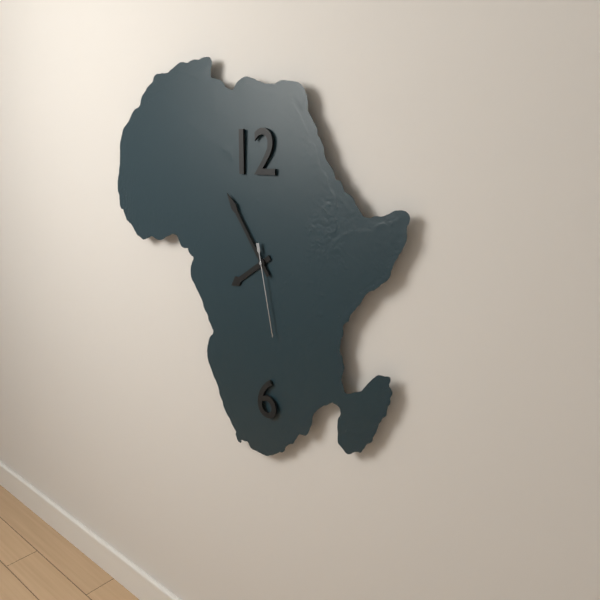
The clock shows 7:54:28
